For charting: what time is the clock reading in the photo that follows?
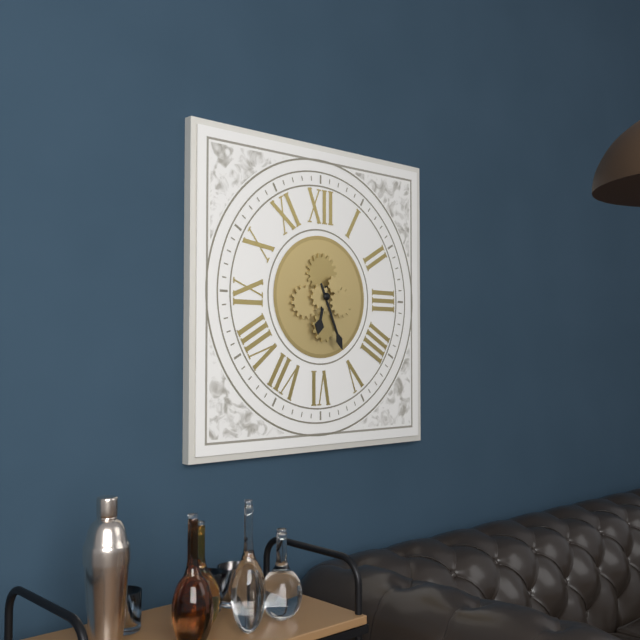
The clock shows 6:26
